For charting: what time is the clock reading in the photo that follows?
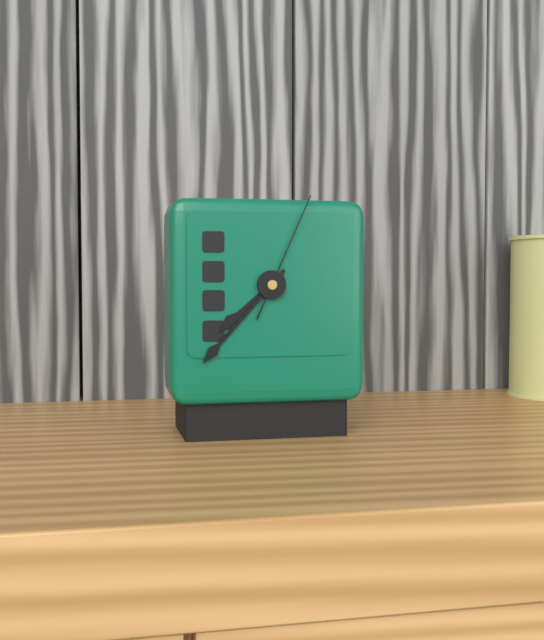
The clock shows 7:37:04
